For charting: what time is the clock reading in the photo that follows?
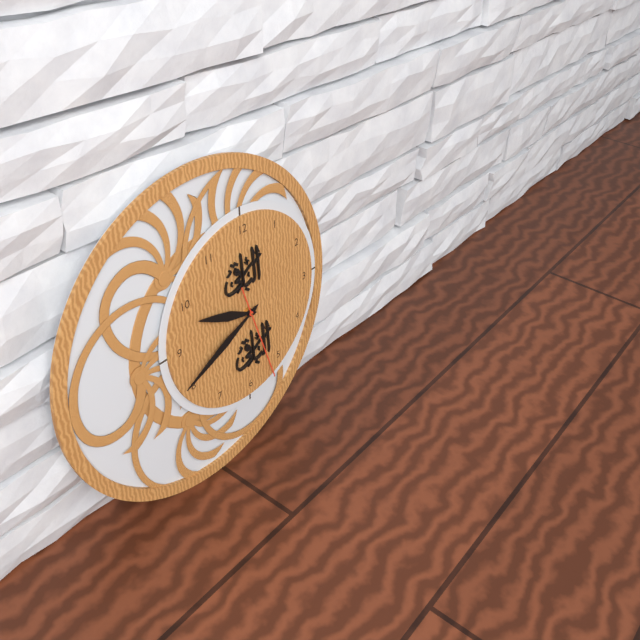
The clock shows 9:41:27
